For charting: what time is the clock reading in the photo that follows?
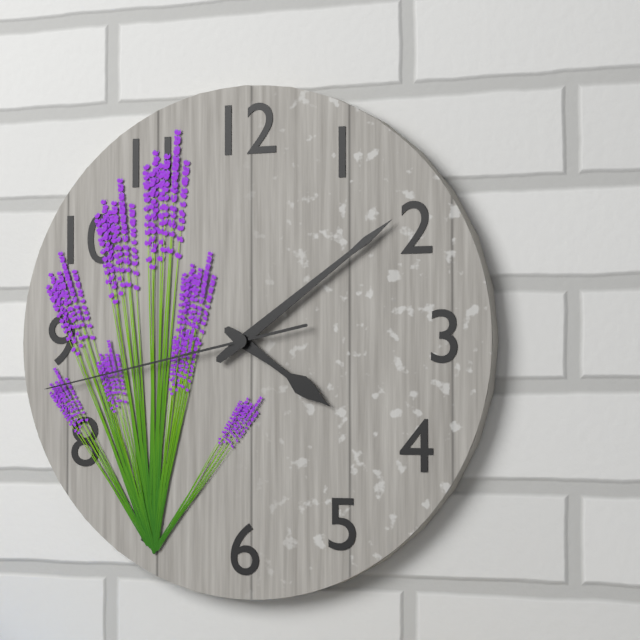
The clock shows 4:09:43
